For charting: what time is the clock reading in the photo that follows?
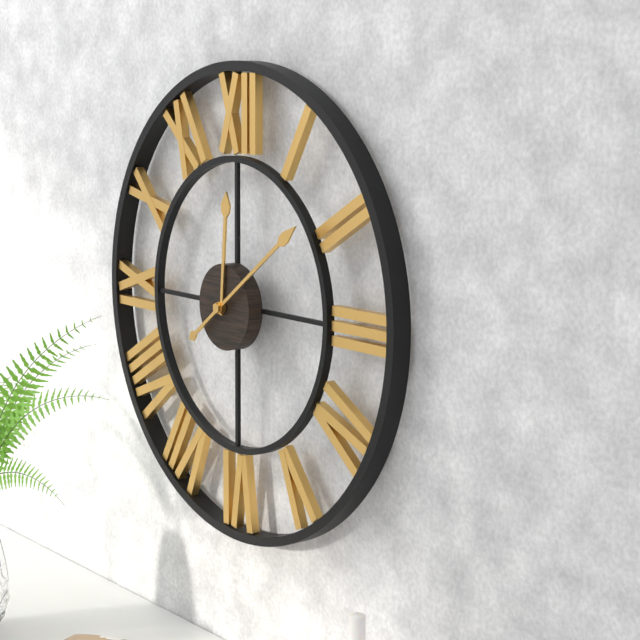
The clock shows 12:09
